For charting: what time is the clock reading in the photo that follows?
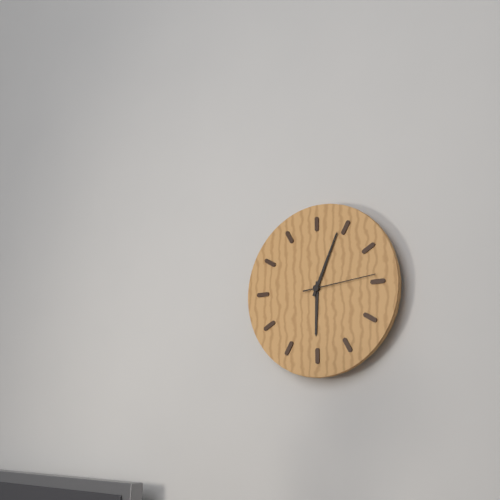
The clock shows 6:04:14
